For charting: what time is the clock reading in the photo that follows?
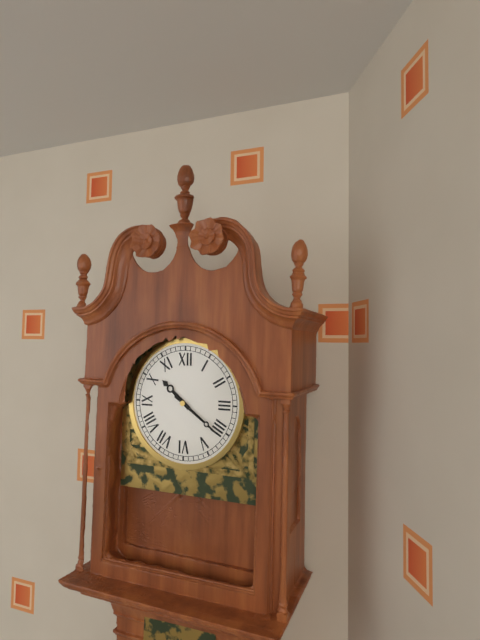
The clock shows 10:21
